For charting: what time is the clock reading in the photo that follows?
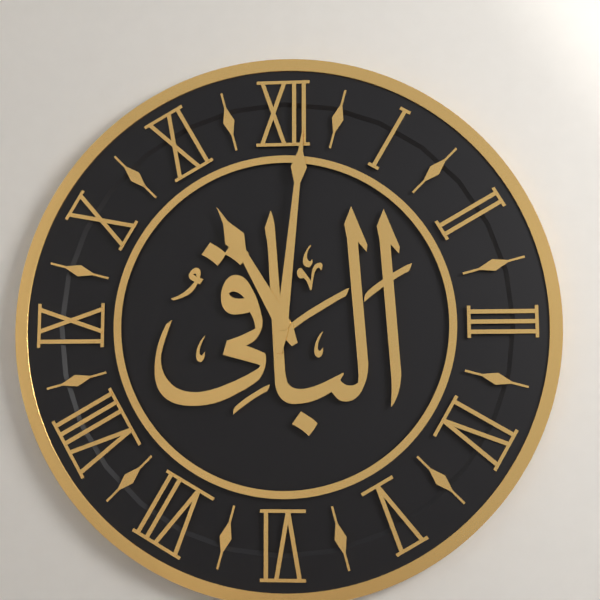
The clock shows 11:01
